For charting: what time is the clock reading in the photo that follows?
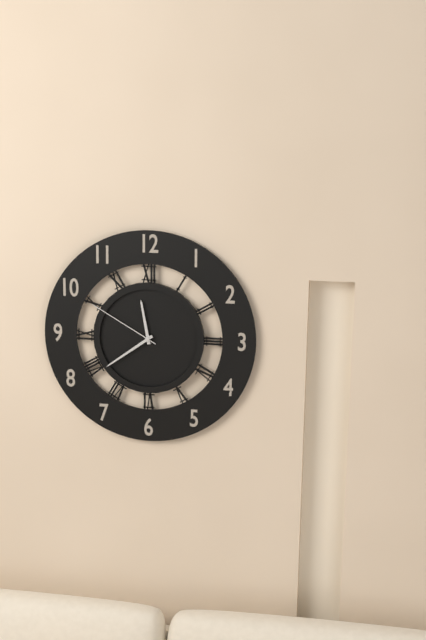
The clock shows 11:39:50
